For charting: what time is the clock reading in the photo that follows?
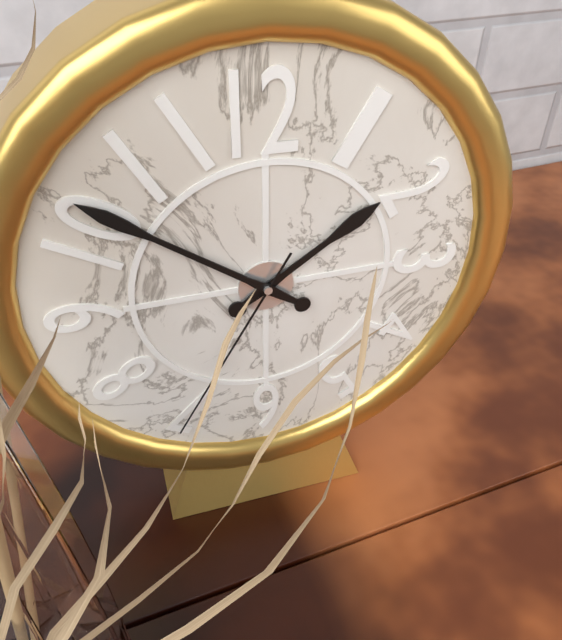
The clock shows 1:51:35
